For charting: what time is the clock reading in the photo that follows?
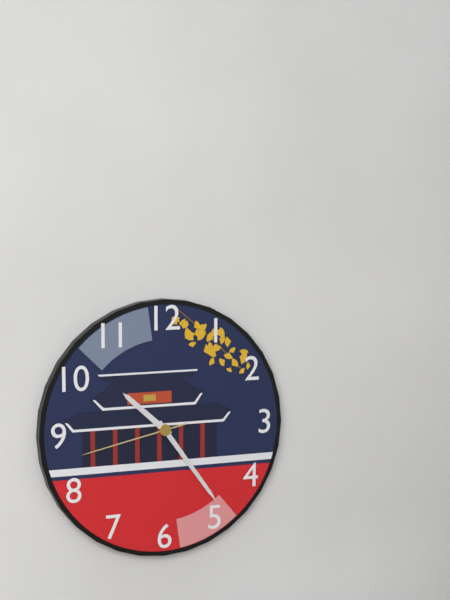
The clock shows 10:24:43
